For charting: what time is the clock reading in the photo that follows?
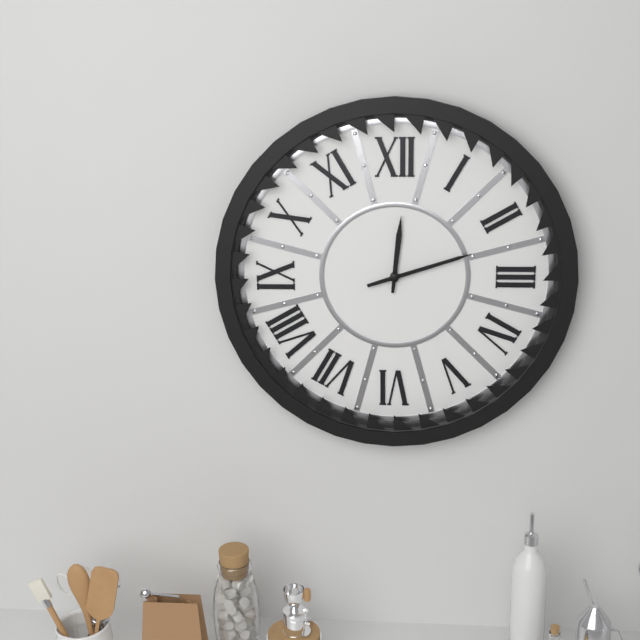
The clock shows 12:12
